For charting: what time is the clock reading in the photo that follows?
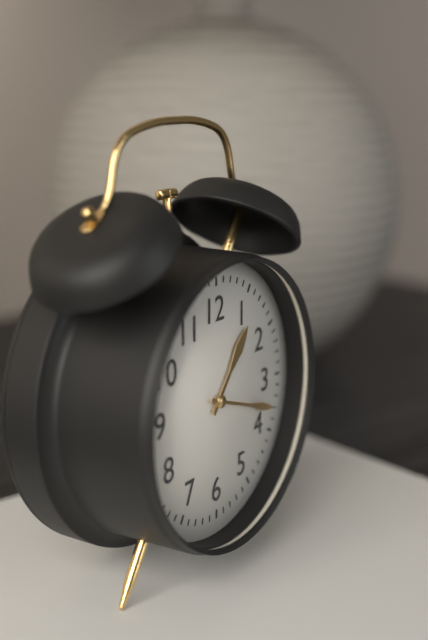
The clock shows 1:18
